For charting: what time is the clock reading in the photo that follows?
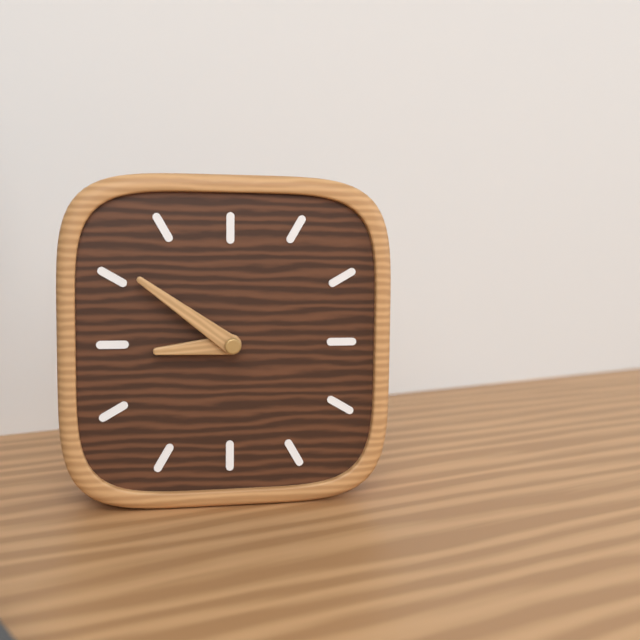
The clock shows 8:51
